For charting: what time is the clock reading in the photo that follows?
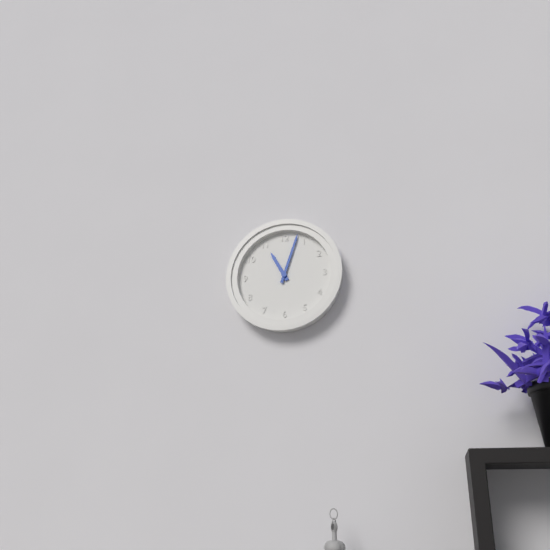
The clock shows 11:03
